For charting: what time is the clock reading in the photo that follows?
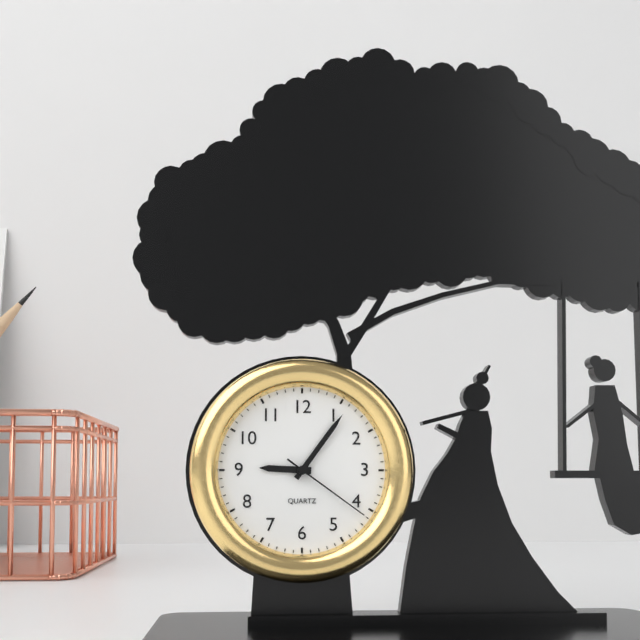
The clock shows 9:06:21
